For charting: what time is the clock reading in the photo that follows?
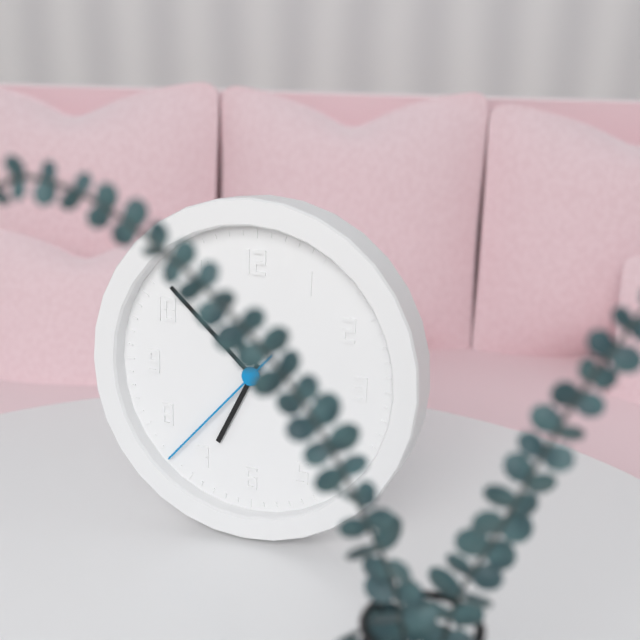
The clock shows 6:52:37
